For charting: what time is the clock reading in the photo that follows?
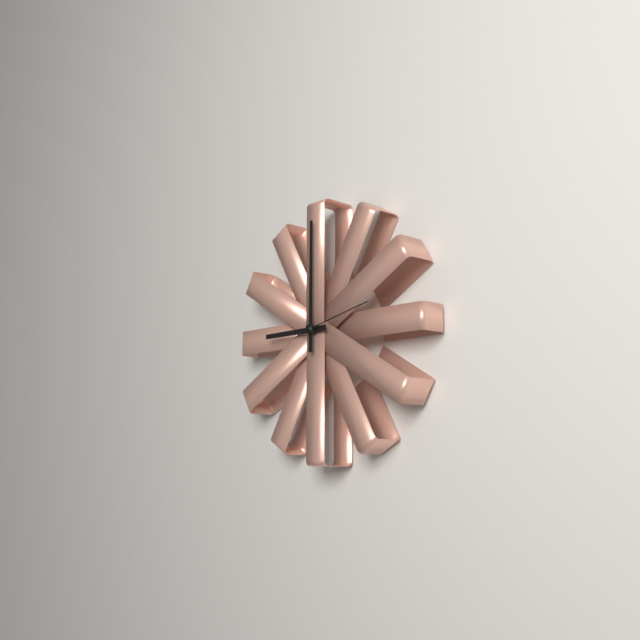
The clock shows 9:00
